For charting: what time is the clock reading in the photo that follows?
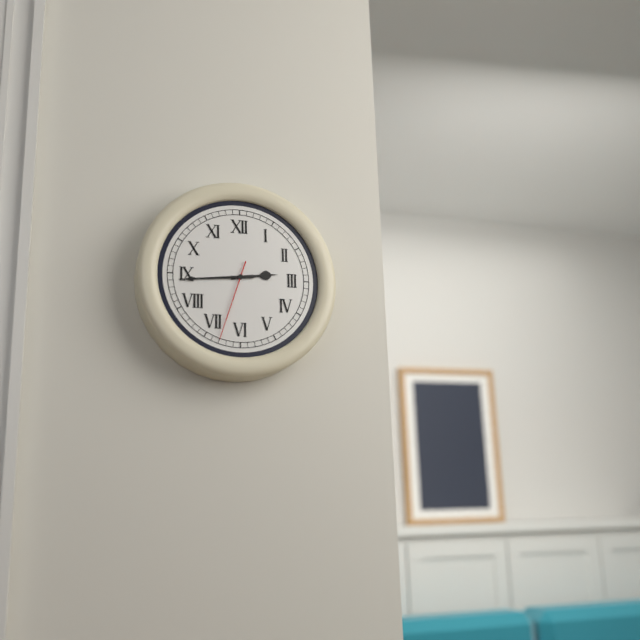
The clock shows 2:44:33
